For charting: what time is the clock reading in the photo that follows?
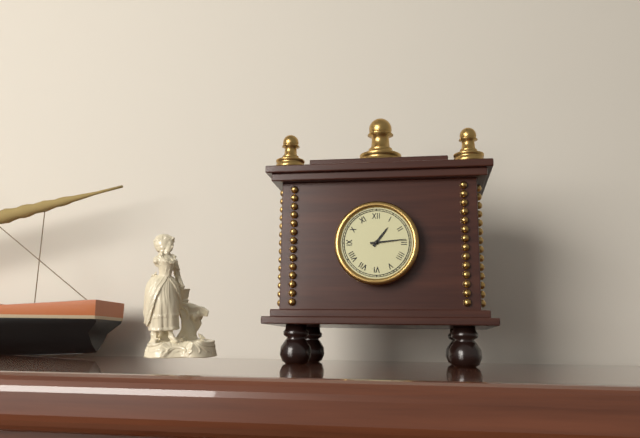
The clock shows 1:14
